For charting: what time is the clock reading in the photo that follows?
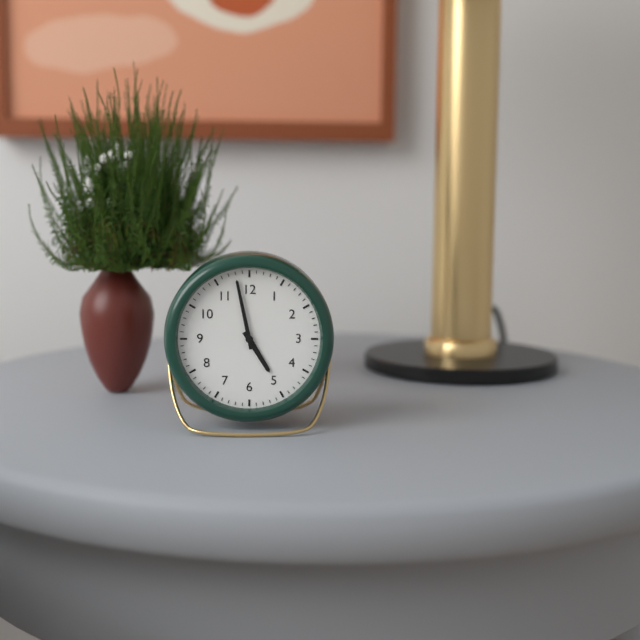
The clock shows 4:58
